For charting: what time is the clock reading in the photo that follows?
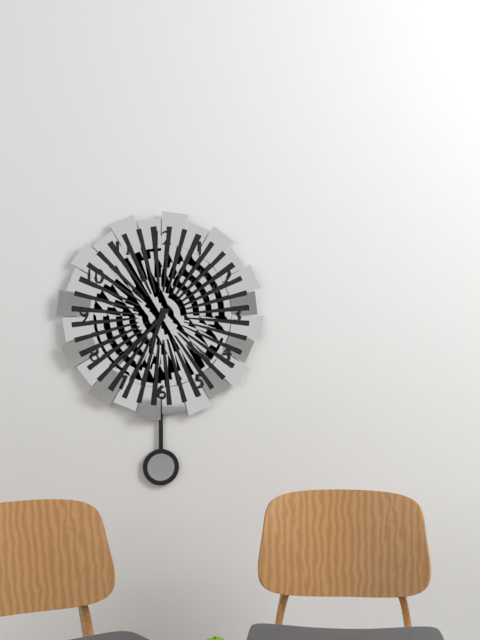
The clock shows 6:37
